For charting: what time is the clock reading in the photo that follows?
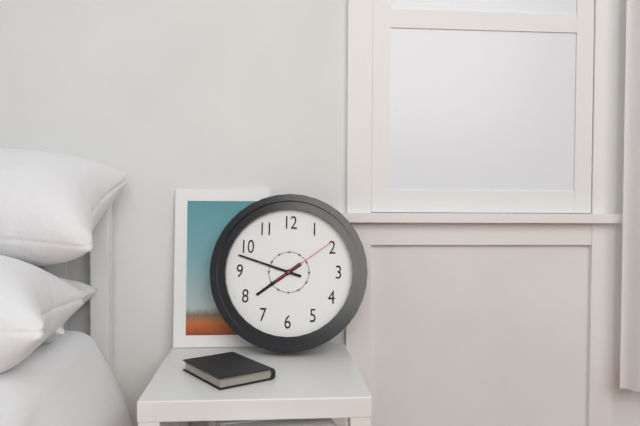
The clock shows 7:48:09
